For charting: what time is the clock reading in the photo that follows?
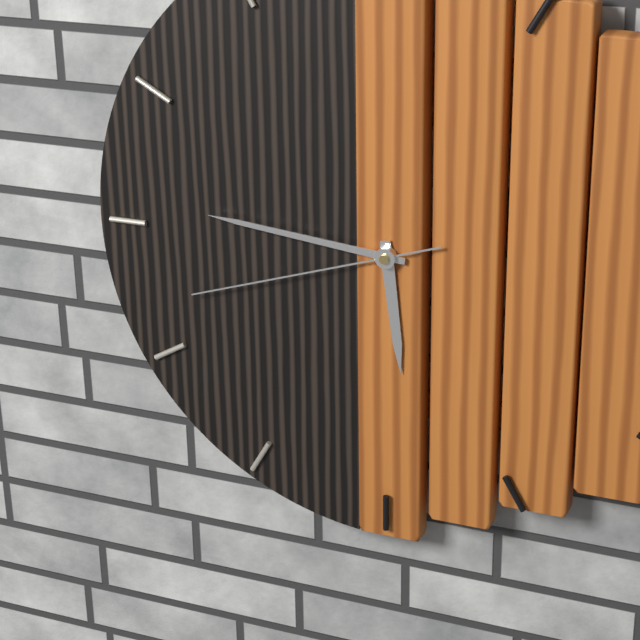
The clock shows 5:46:42
